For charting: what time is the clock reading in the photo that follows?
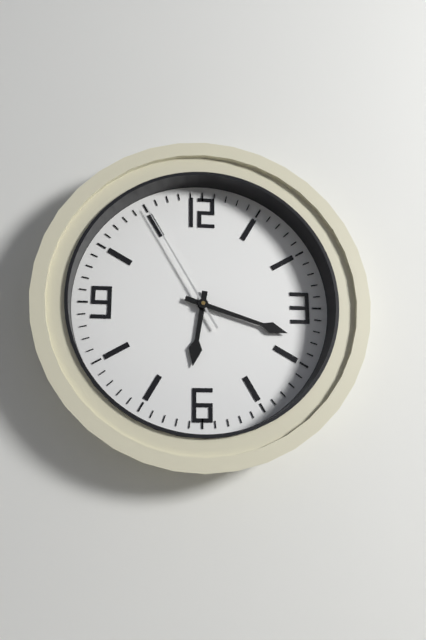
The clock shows 6:18:55
